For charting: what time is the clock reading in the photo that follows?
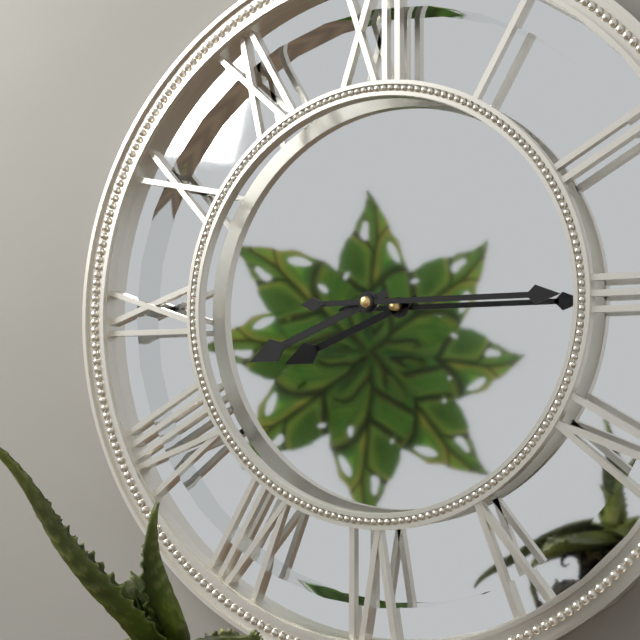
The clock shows 8:15
